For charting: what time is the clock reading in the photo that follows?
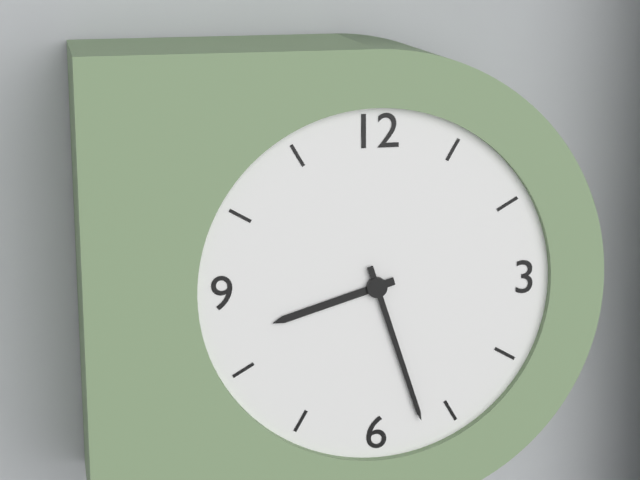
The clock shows 8:27
